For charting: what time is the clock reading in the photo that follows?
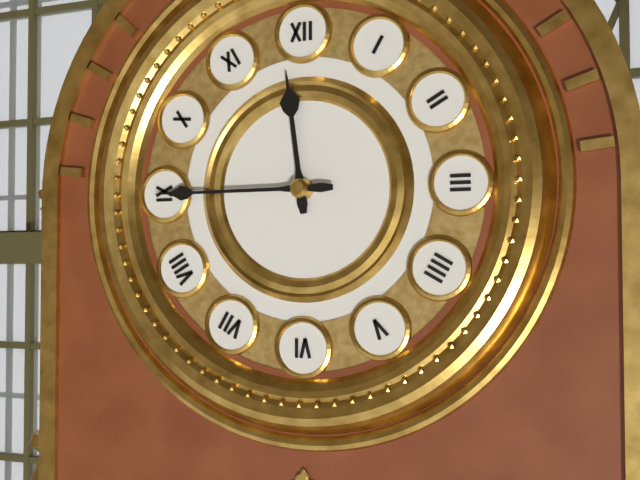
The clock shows 11:45
